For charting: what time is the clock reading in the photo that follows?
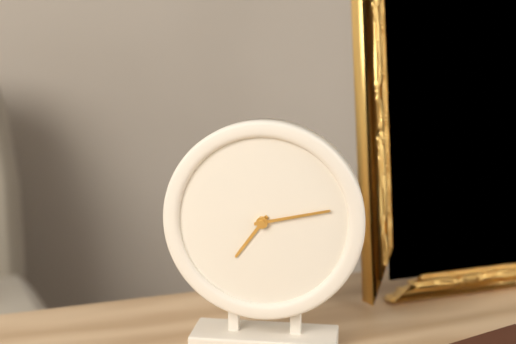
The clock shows 7:13
